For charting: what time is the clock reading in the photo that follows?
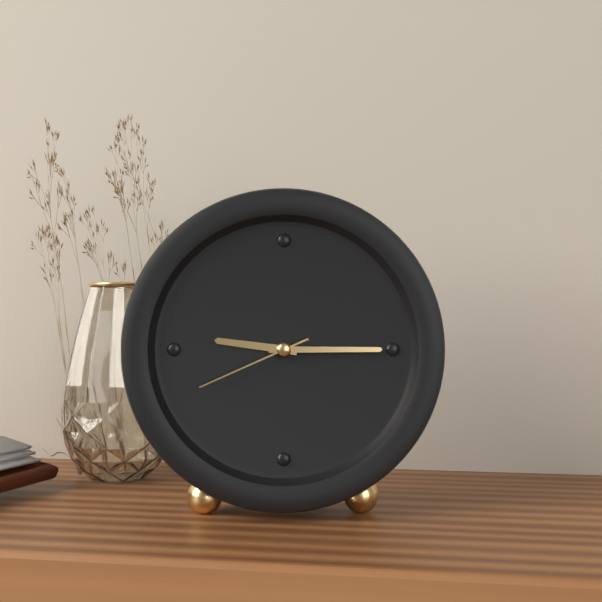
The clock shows 9:15:41
